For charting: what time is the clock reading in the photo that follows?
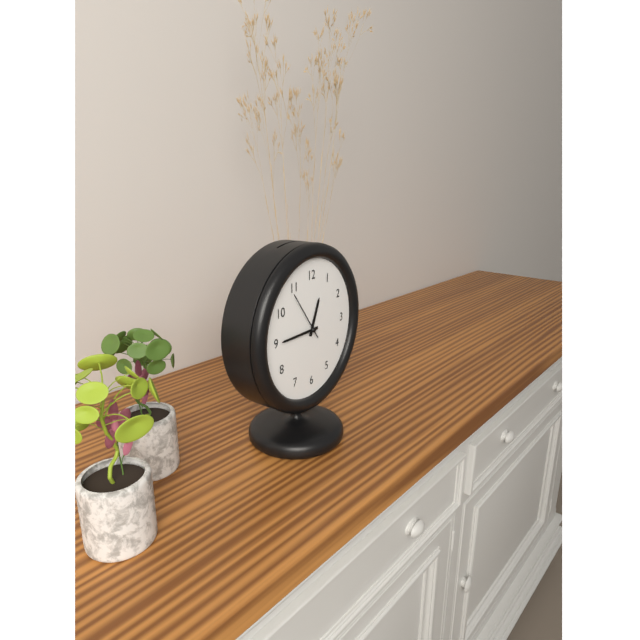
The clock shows 12:45:54
